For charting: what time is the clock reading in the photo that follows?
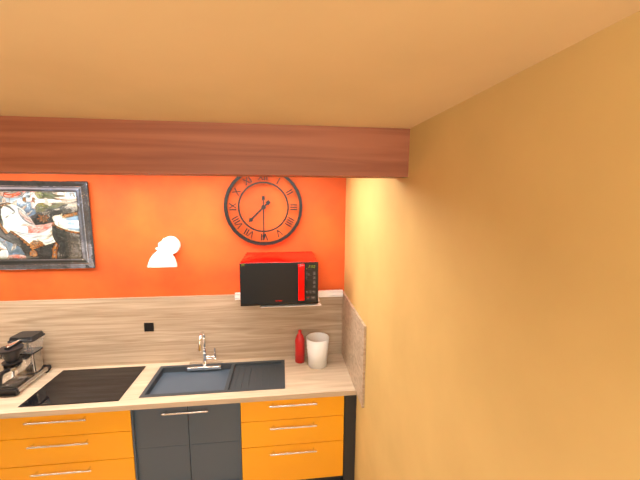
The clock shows 7:30
